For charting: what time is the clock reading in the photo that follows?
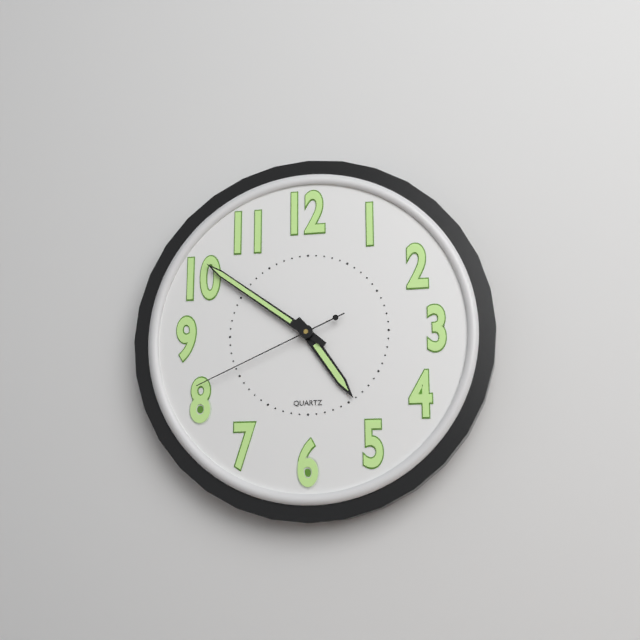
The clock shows 4:51:41
